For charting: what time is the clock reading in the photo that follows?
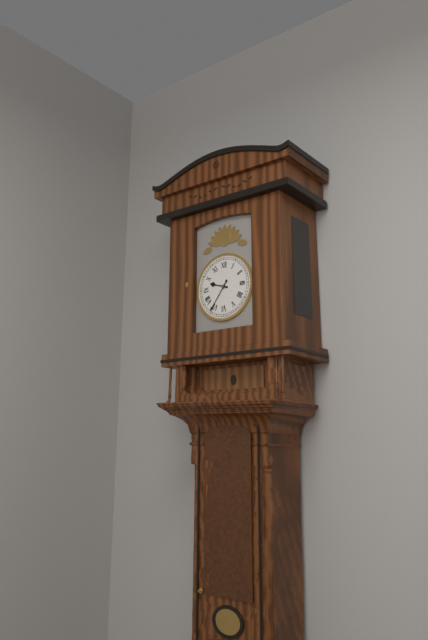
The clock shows 9:36
